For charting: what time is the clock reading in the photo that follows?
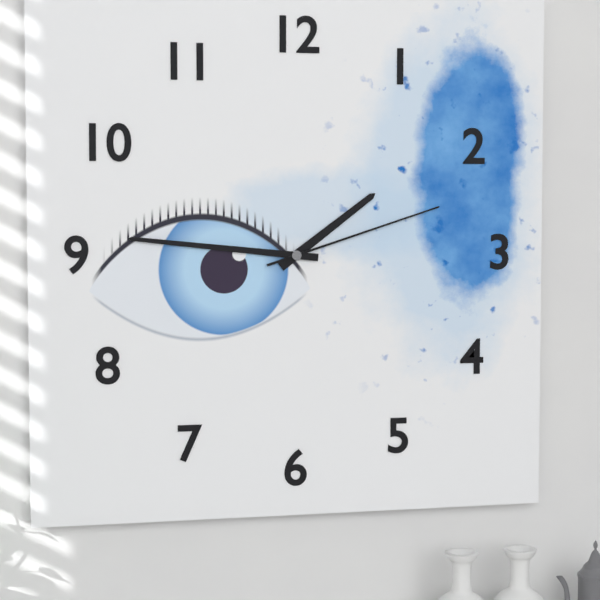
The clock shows 1:46:12
